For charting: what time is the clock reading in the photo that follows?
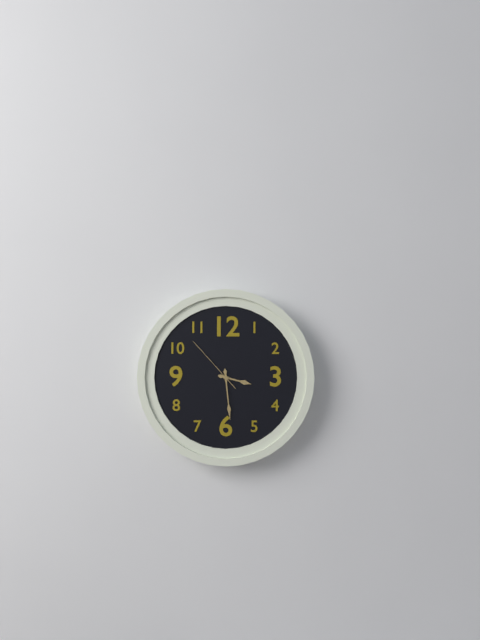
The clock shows 3:29:53
